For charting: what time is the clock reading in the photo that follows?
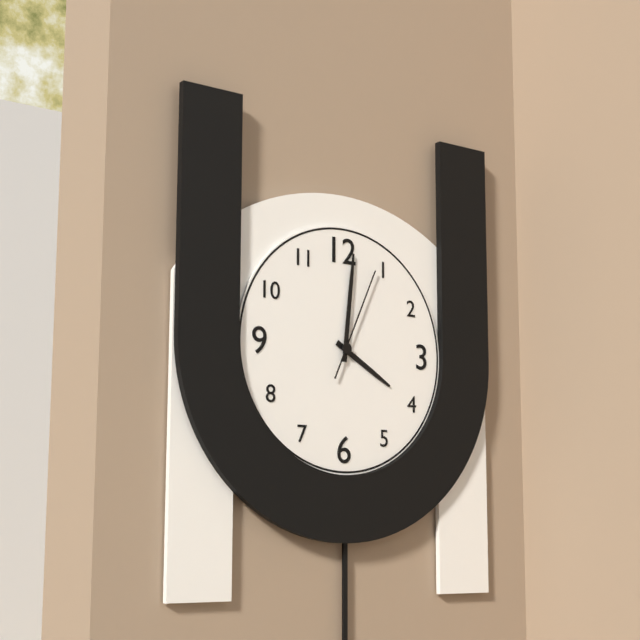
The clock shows 4:01:04
